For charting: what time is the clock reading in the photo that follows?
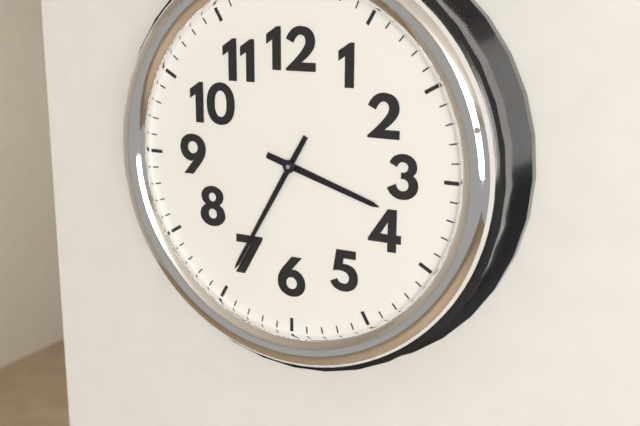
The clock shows 3:35
